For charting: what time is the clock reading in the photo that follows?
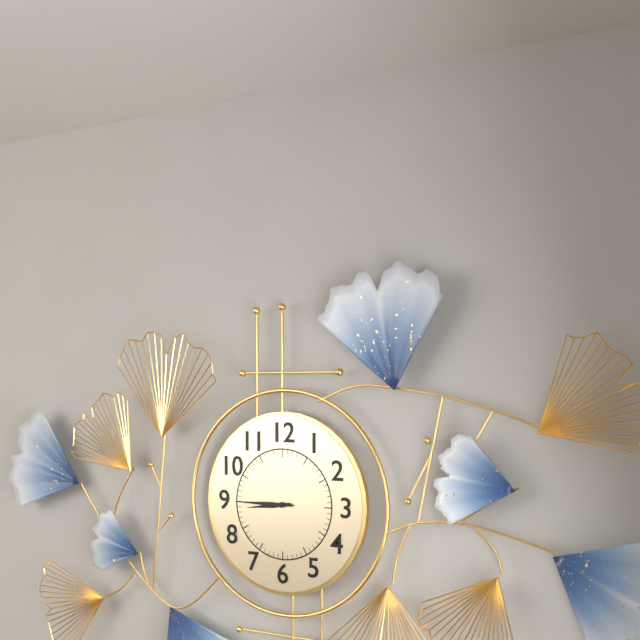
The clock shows 8:45
